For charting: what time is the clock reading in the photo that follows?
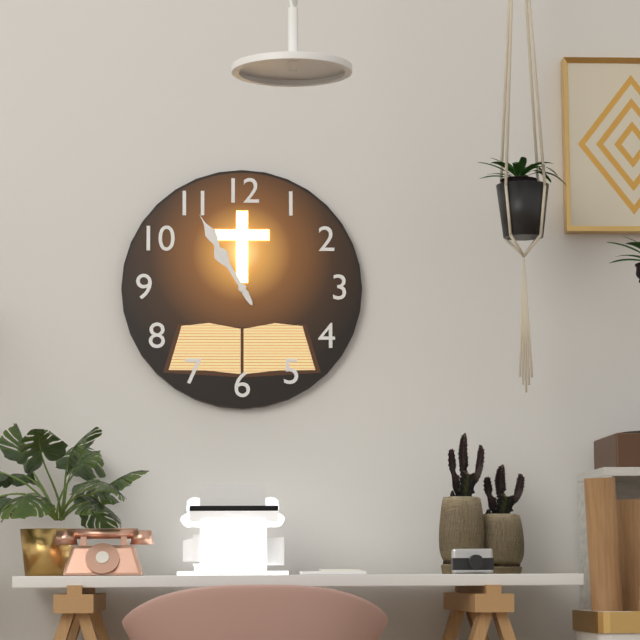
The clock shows 10:55
